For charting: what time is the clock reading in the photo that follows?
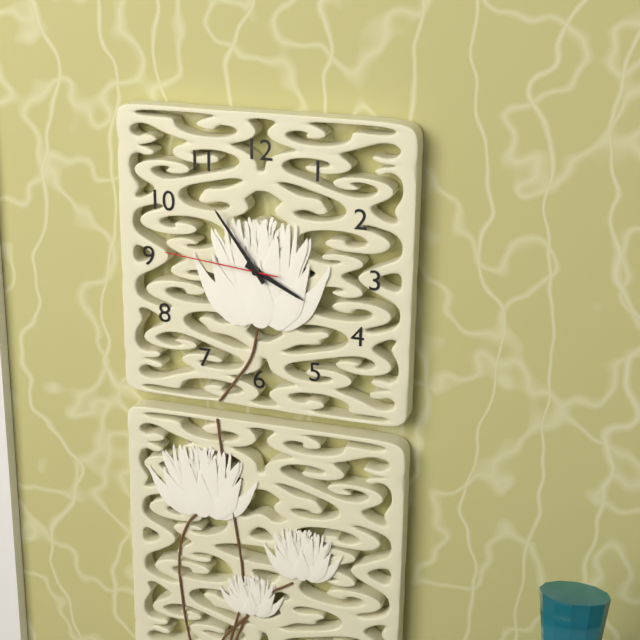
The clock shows 3:54:46
